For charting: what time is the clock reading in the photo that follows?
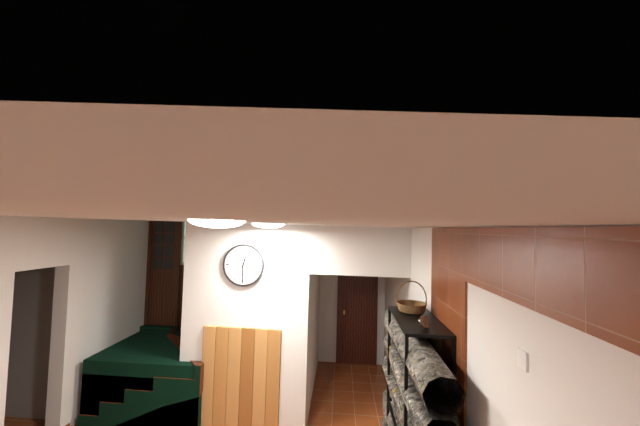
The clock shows 12:30
